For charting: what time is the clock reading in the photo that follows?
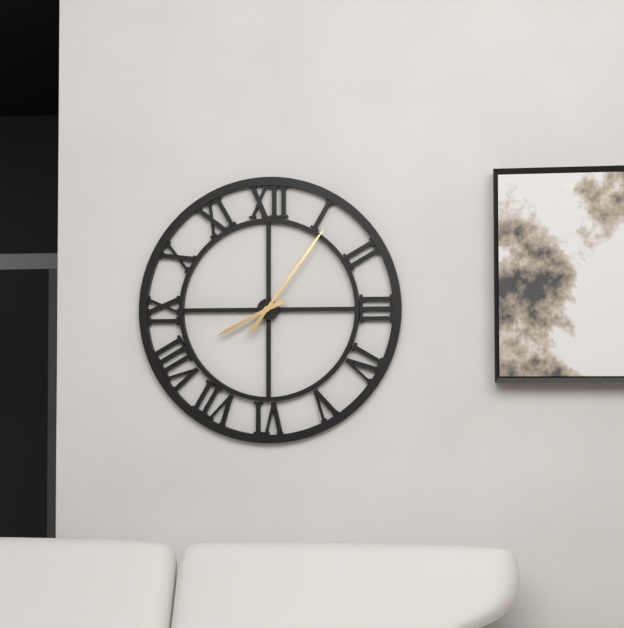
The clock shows 8:06
